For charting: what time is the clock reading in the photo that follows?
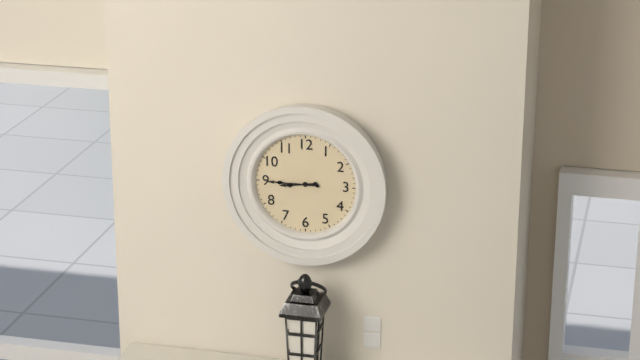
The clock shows 8:45
